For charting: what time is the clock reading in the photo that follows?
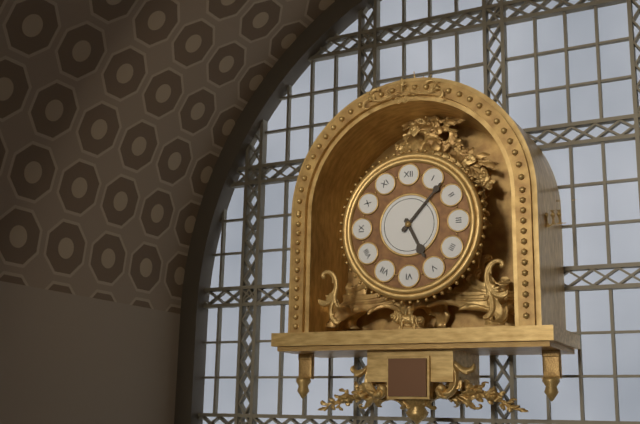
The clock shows 5:07
